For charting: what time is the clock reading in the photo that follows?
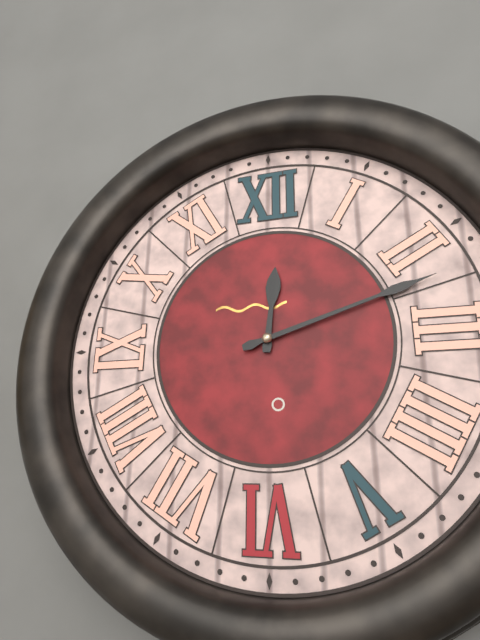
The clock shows 12:12
